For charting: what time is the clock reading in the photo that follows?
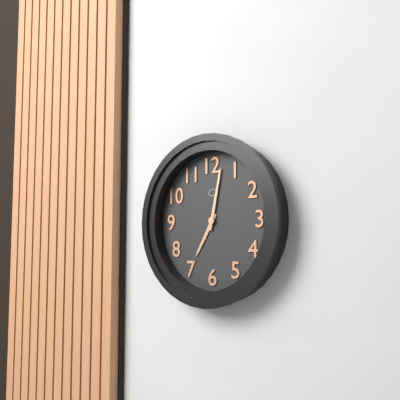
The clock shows 7:02
